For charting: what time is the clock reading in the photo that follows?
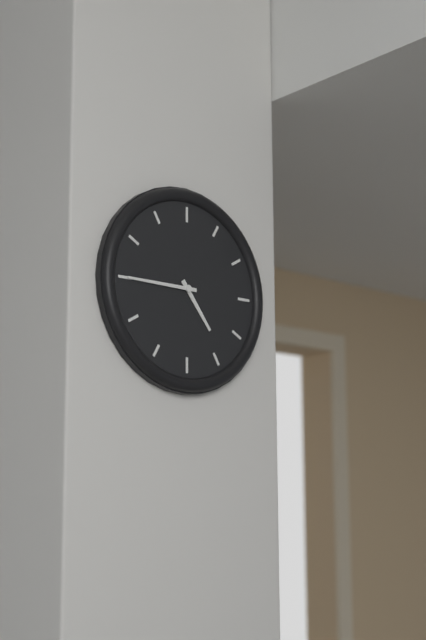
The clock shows 4:45
